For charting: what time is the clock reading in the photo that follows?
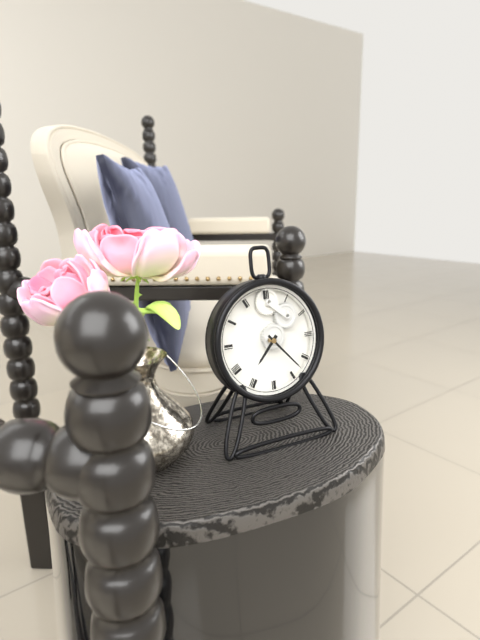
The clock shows 7:23
